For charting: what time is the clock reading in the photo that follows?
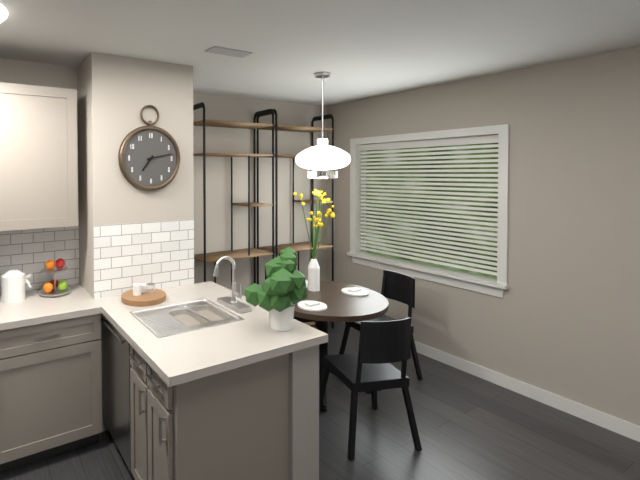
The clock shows 7:13
